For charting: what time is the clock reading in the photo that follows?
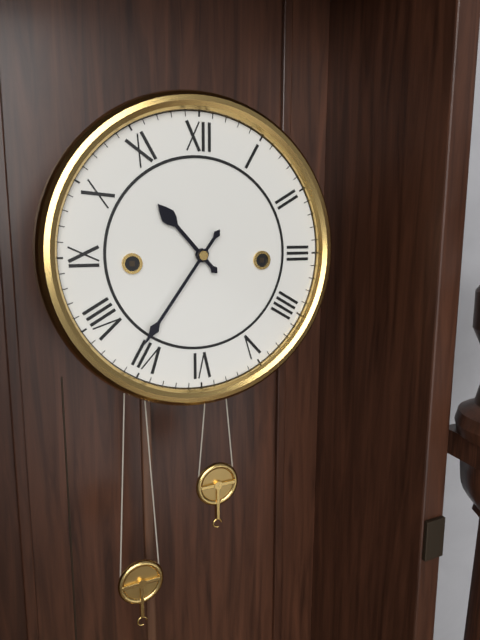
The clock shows 10:36
